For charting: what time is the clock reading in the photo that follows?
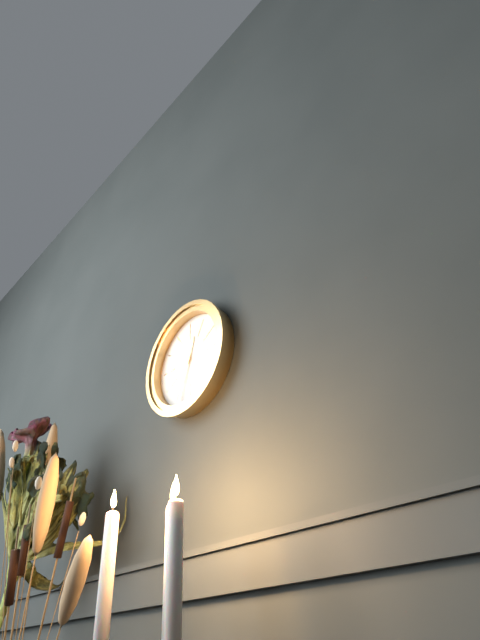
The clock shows 12:33
